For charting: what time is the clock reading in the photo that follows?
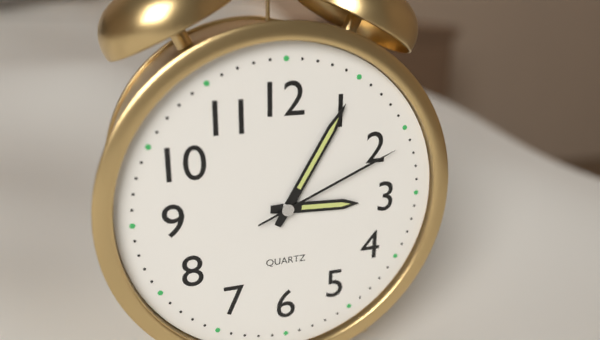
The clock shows 3:05:11
